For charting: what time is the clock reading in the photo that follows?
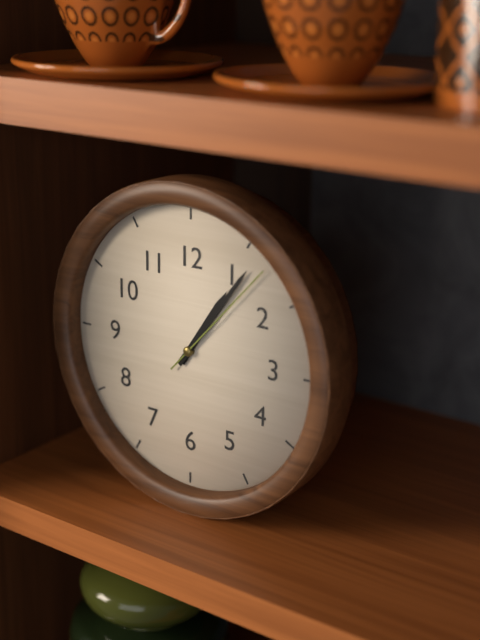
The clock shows 1:06:07
